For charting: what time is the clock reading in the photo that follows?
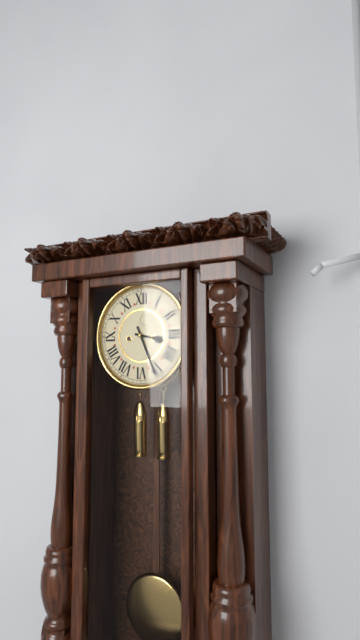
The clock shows 3:26
